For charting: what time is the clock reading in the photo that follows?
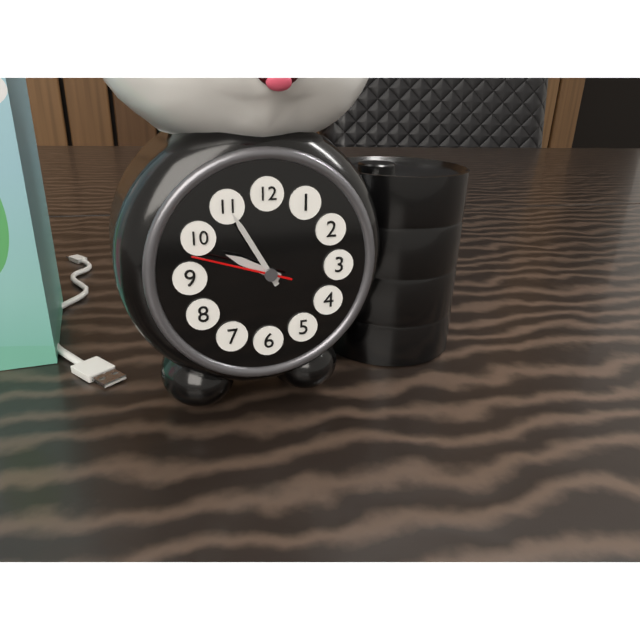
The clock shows 9:55:48
